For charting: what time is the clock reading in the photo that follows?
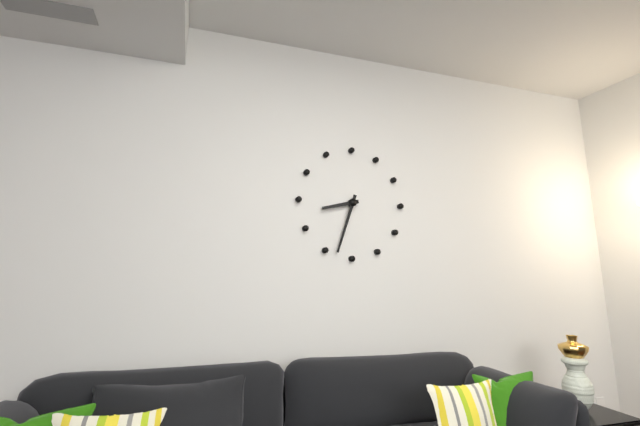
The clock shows 8:33
